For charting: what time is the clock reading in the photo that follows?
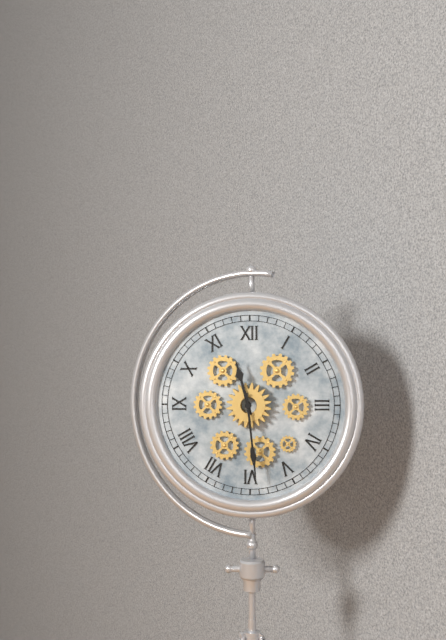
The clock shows 11:29
